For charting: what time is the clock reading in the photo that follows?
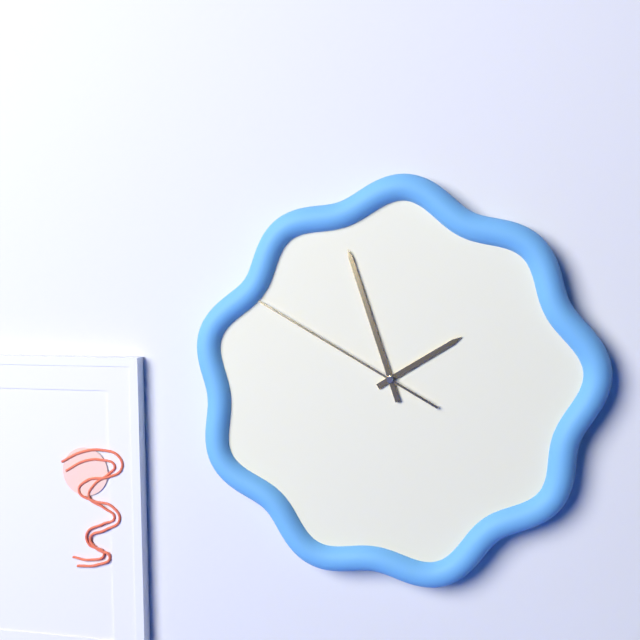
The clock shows 1:57:50
